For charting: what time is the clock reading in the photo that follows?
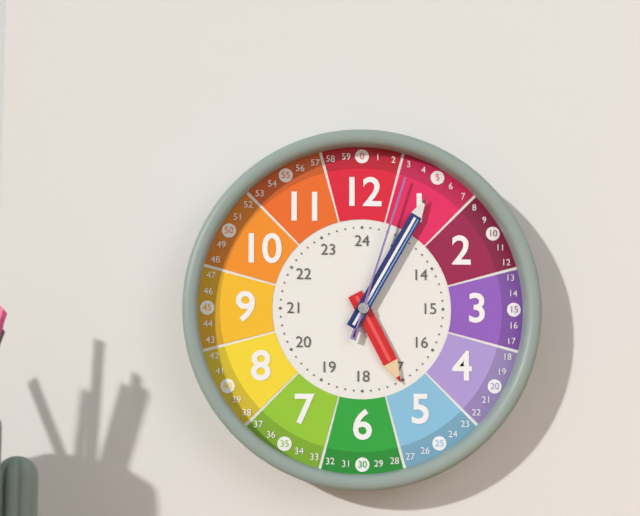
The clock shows 5:05:03
